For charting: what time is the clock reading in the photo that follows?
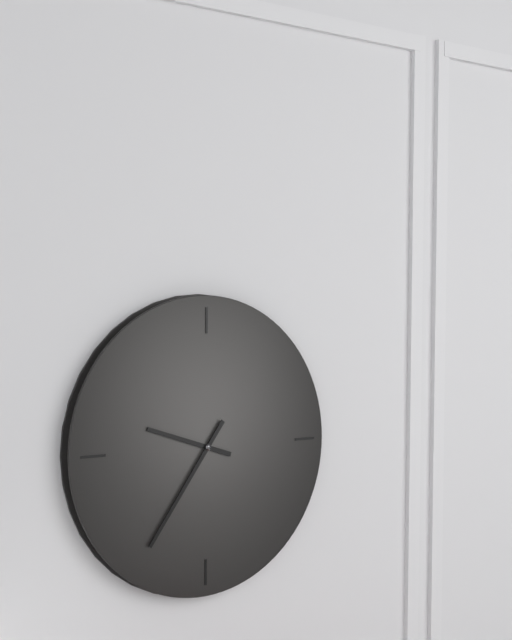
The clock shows 9:36
